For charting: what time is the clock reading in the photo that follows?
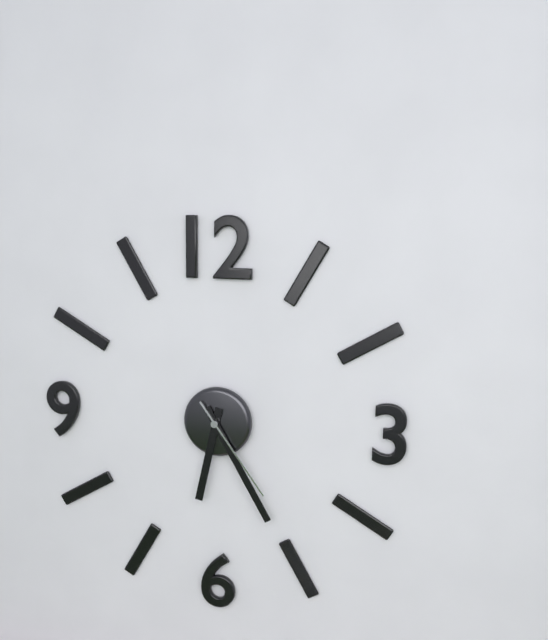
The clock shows 6:25:24
